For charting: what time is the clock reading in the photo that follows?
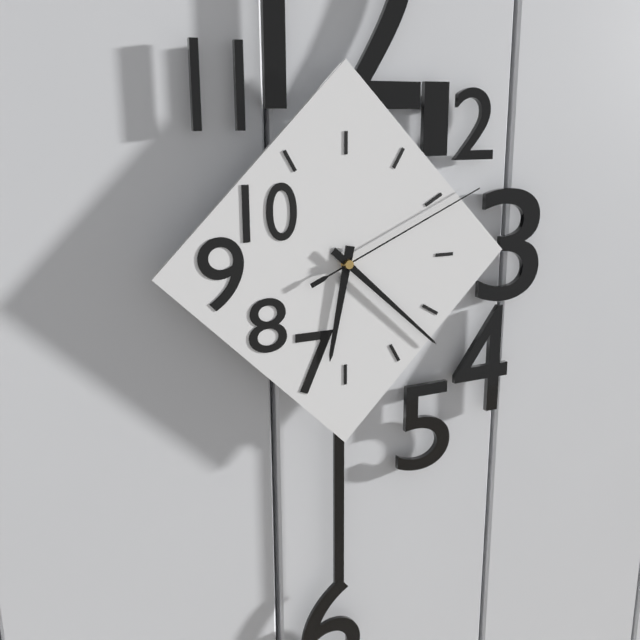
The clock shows 6:22:11
